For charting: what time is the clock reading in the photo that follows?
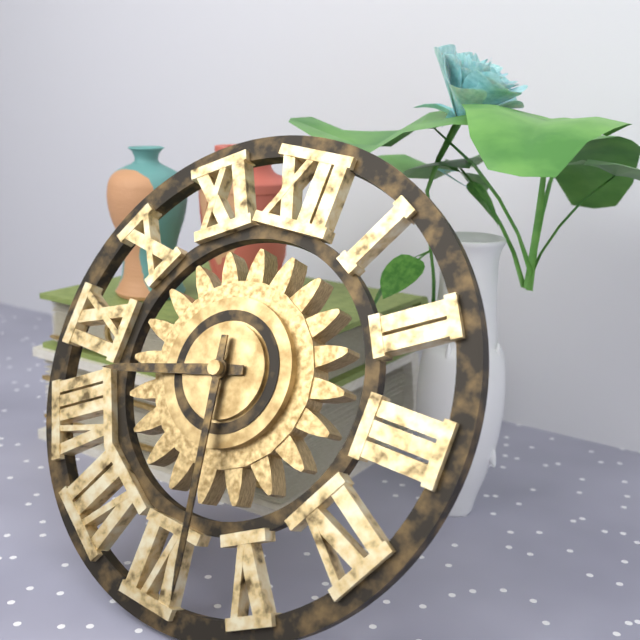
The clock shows 8:28
